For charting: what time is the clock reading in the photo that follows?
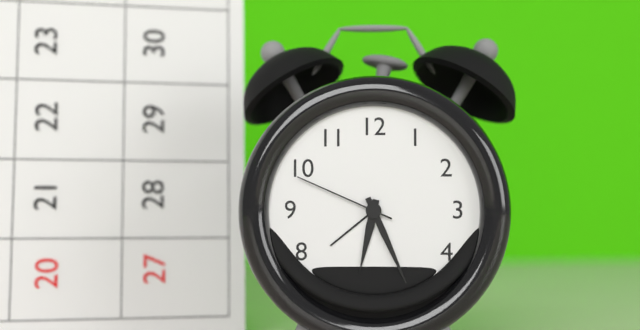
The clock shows 6:26:49
